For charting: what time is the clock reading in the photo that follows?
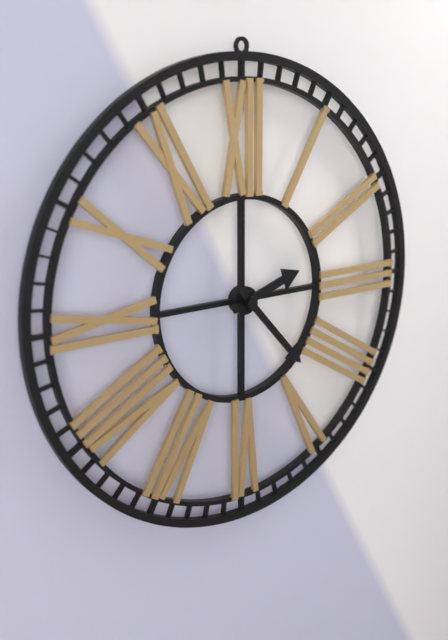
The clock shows 2:23
